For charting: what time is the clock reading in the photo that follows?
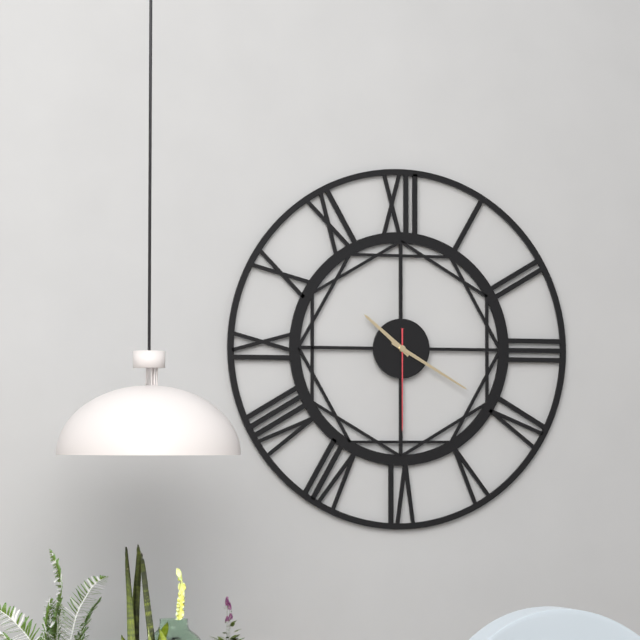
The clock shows 10:20:30
